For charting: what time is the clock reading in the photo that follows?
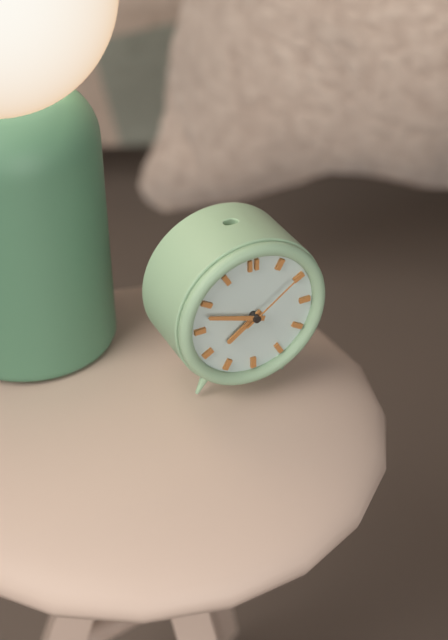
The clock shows 7:48:09
